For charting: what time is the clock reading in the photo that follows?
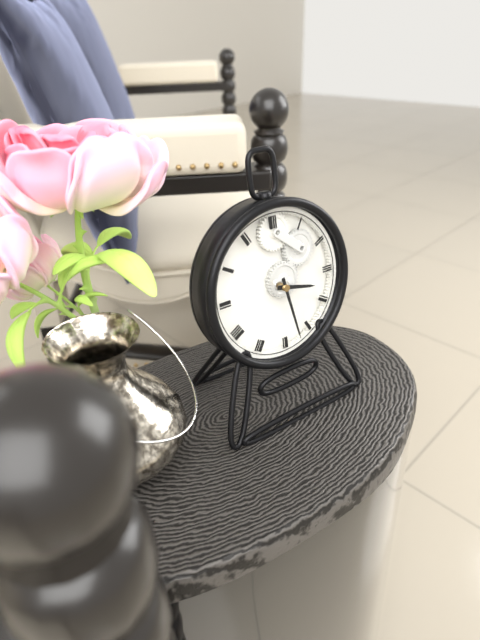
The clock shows 3:28
